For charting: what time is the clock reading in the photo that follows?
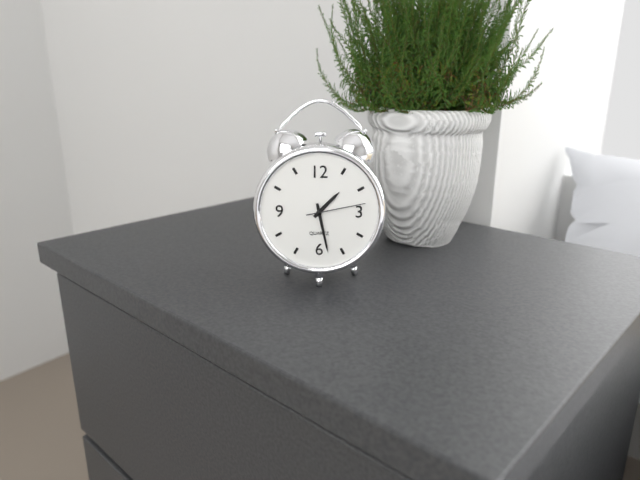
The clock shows 1:28:13
